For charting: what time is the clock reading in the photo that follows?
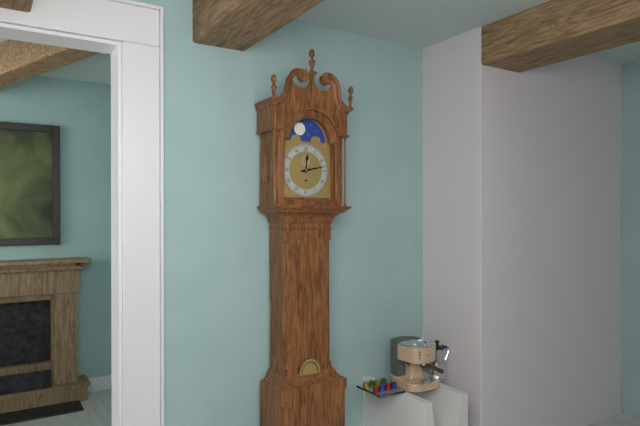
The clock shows 12:13
